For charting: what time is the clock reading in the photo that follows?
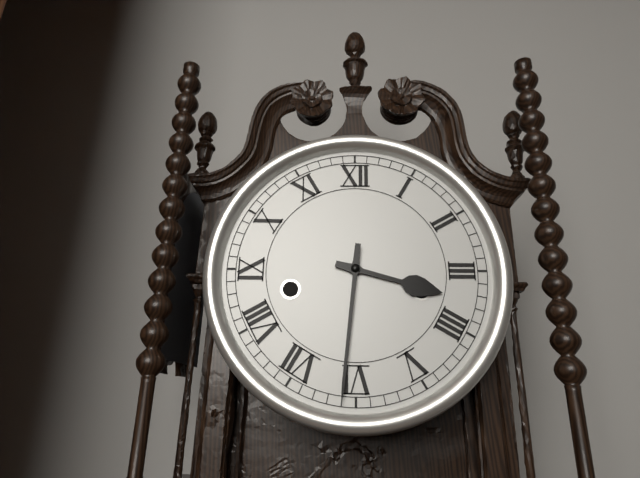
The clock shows 3:31
